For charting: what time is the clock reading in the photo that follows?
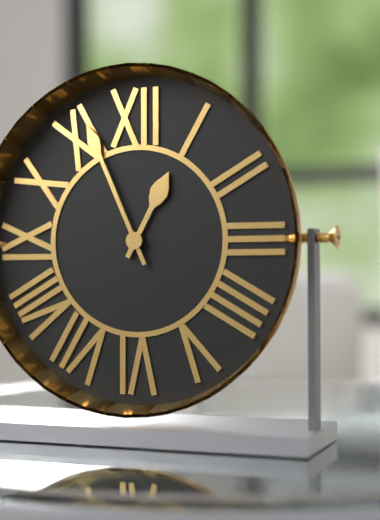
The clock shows 12:56
